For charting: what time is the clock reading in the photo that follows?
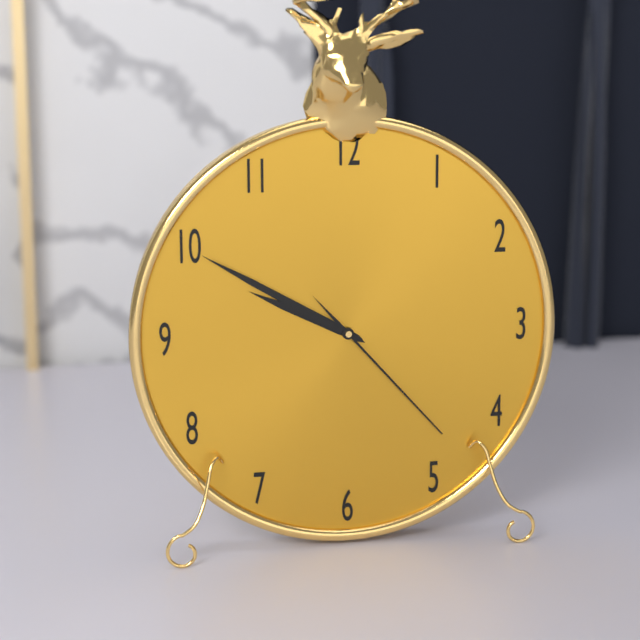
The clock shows 9:50:23
